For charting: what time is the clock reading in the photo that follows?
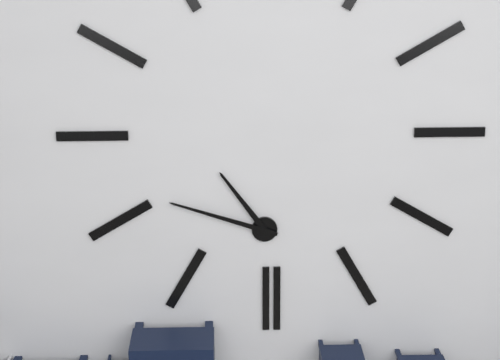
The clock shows 10:48
